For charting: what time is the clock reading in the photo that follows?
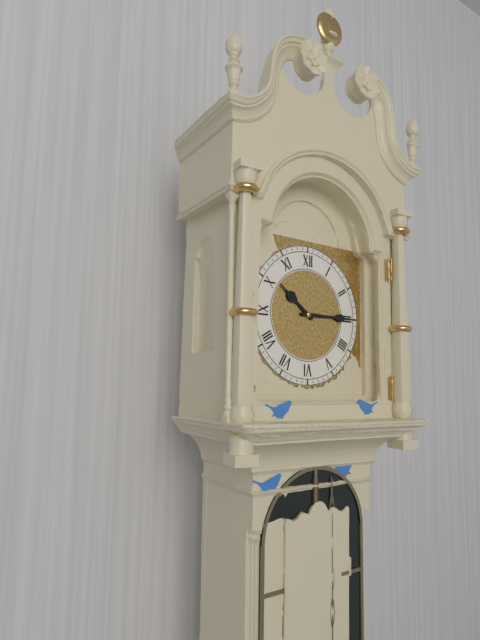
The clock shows 10:15
